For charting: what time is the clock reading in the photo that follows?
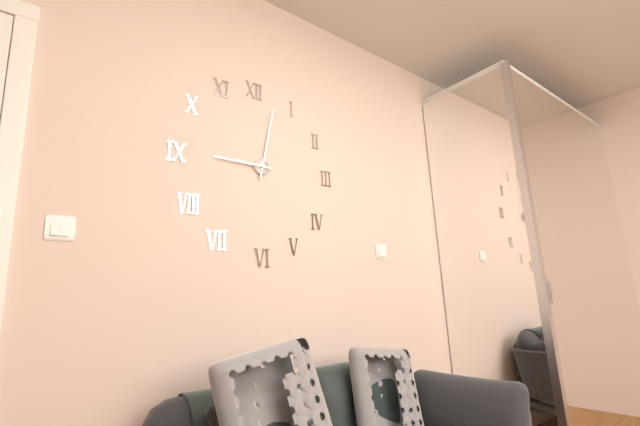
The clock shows 9:02
